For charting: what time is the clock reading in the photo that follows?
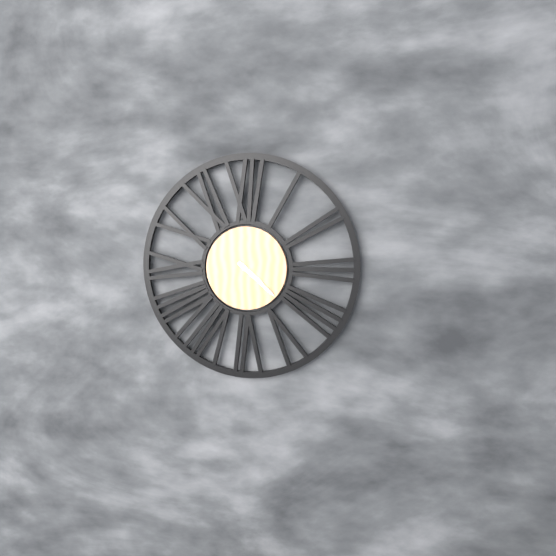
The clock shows 4:22
